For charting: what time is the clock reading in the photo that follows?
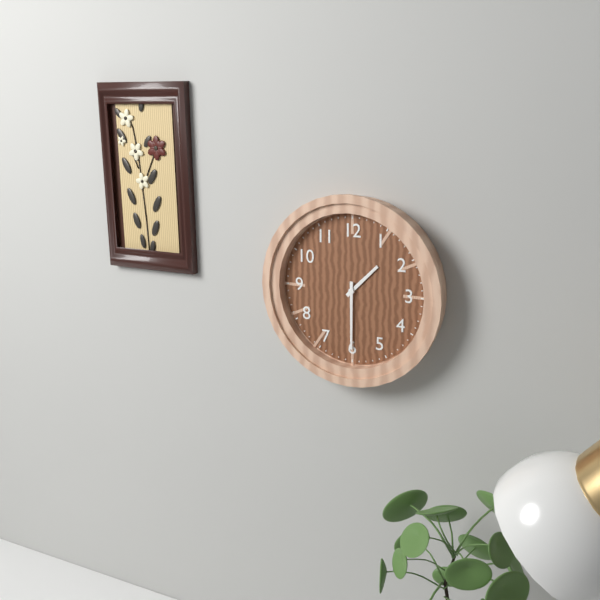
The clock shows 1:30
